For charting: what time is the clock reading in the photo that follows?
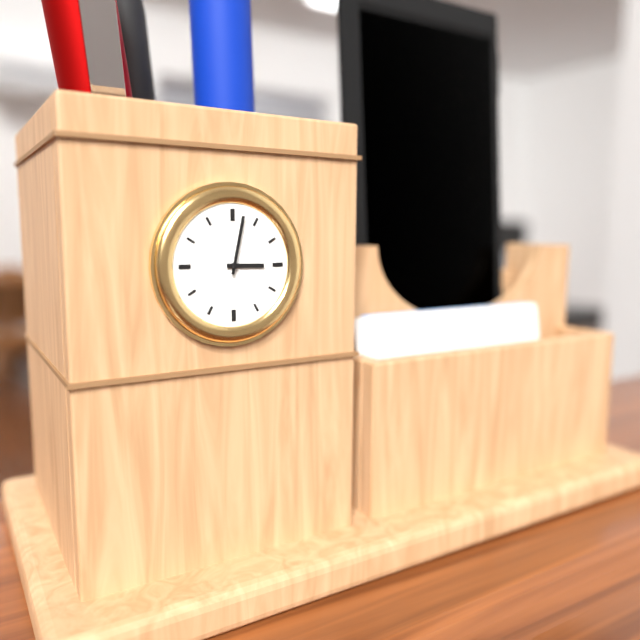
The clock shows 3:02
